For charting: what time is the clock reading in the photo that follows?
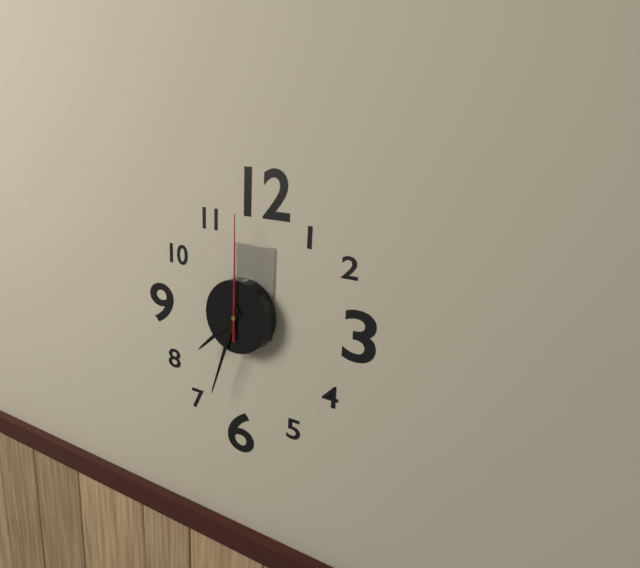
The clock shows 7:33:00
